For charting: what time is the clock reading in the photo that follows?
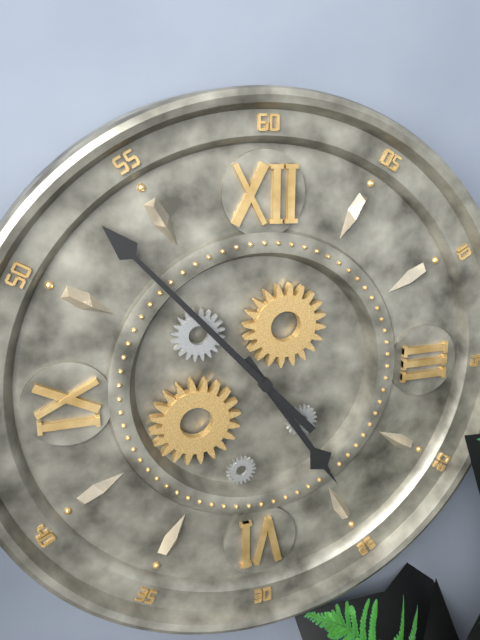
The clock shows 4:53
